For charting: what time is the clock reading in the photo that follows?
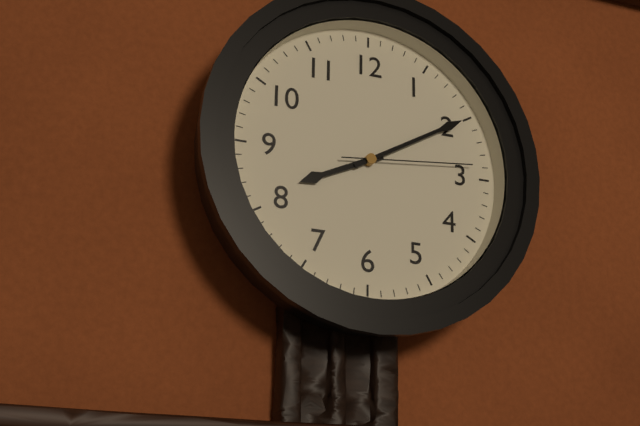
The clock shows 8:10:14
